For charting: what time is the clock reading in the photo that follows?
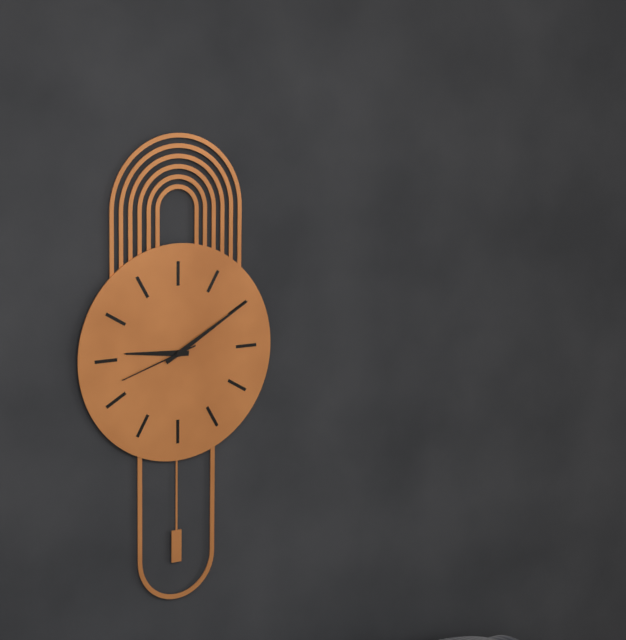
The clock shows 9:10:42
